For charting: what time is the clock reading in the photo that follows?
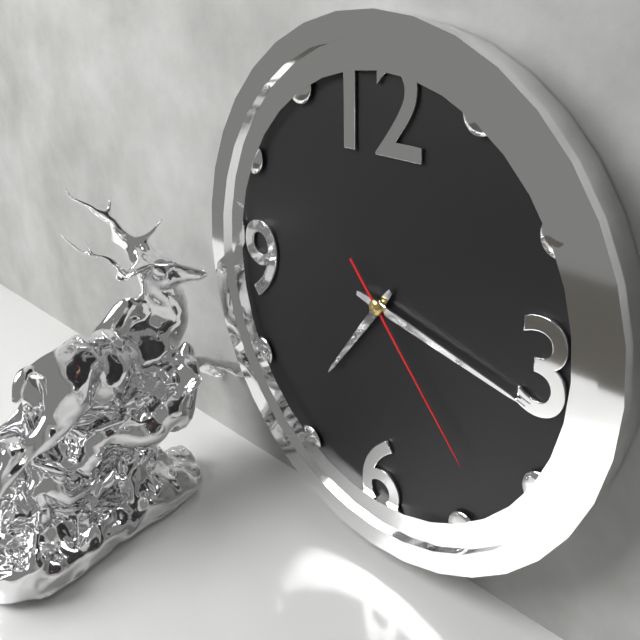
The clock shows 7:17:23
